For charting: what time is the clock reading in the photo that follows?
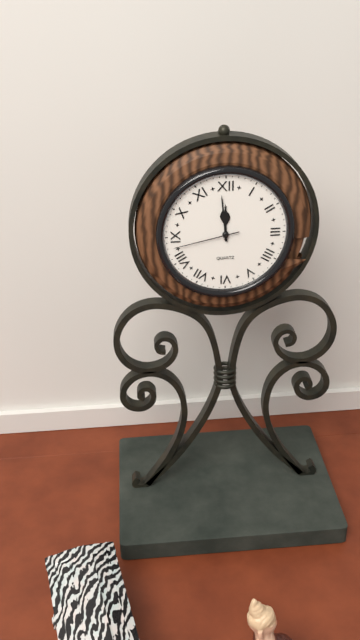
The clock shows 11:59:43
